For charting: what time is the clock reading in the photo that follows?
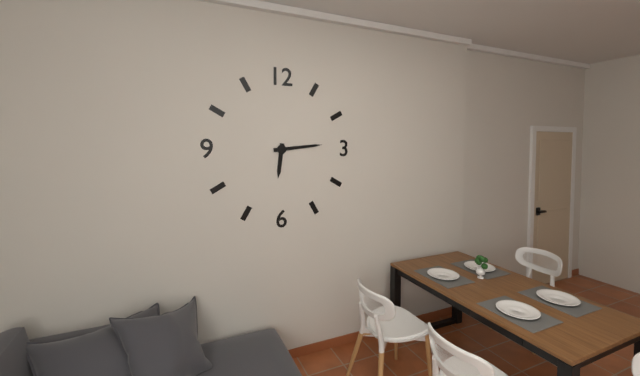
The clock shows 6:14
